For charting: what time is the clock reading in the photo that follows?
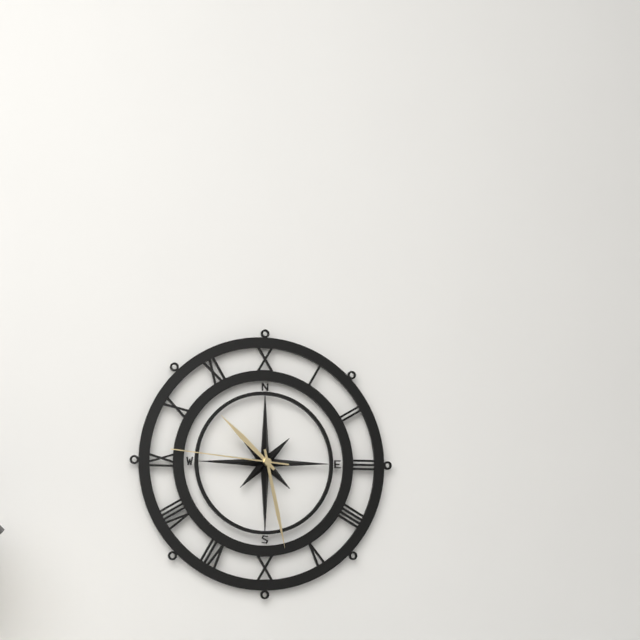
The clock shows 10:28:46
